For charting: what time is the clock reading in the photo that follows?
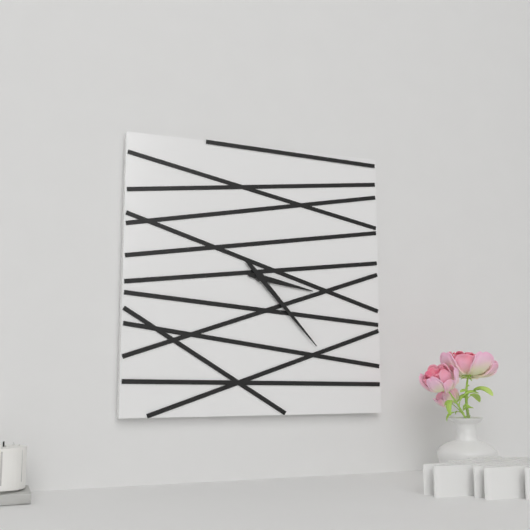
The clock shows 3:23
